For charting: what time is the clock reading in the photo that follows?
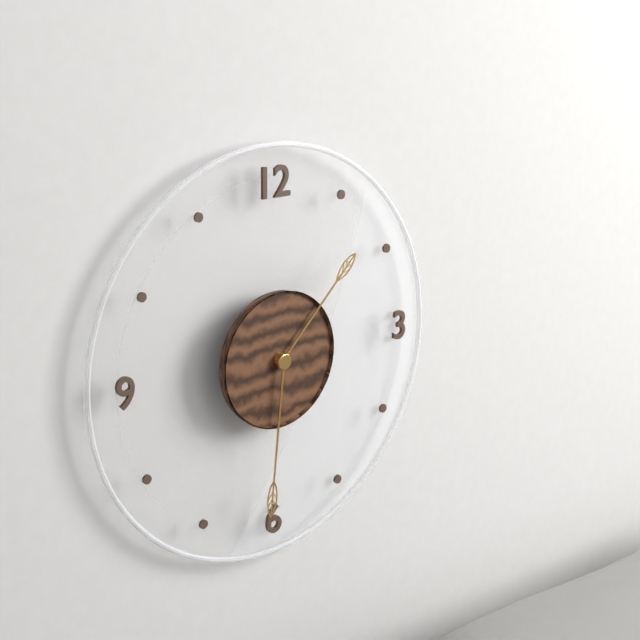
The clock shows 1:31
